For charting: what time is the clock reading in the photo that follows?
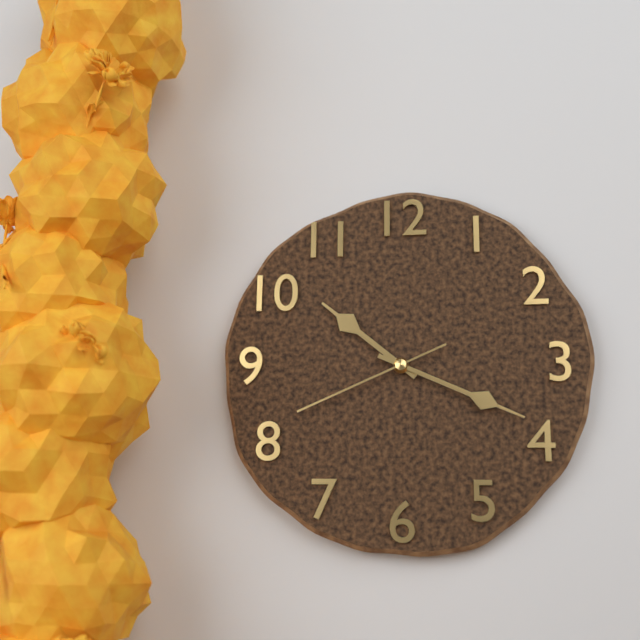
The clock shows 10:19:41
